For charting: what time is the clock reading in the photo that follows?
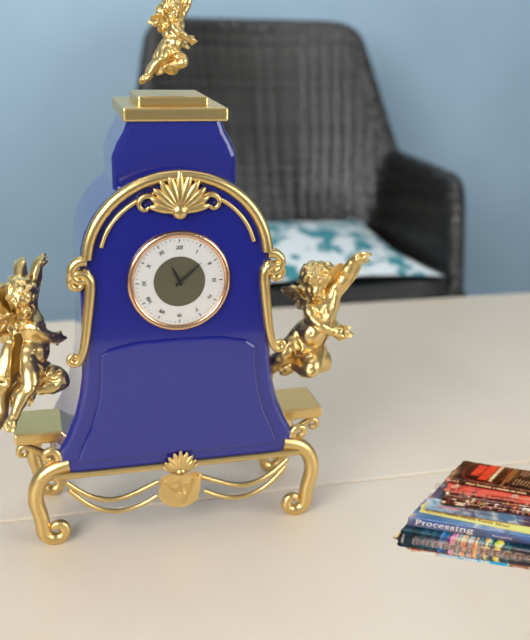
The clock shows 11:08
